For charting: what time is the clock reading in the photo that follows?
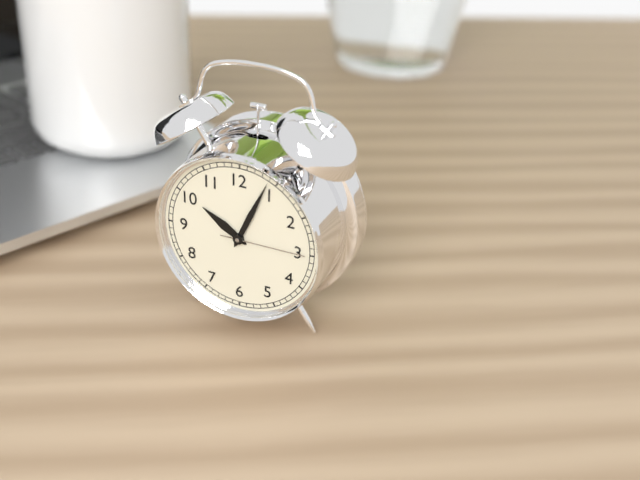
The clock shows 10:04:15
